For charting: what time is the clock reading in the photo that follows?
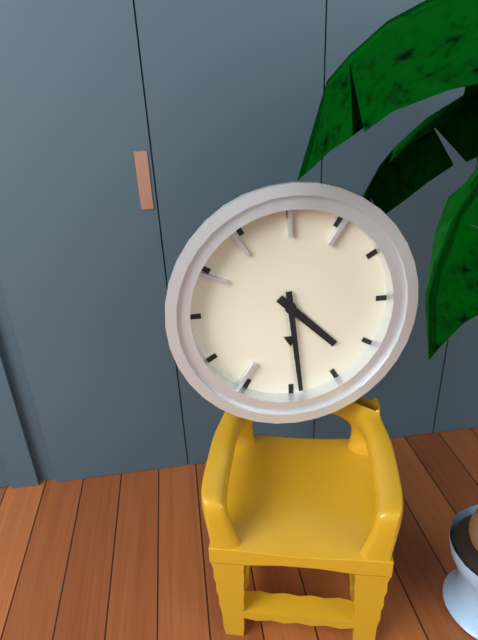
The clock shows 4:29
